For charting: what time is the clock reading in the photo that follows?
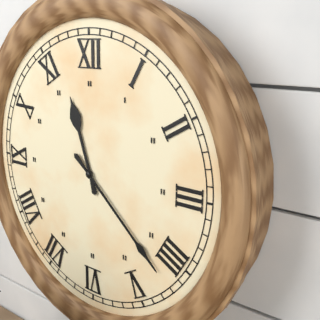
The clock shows 11:22
